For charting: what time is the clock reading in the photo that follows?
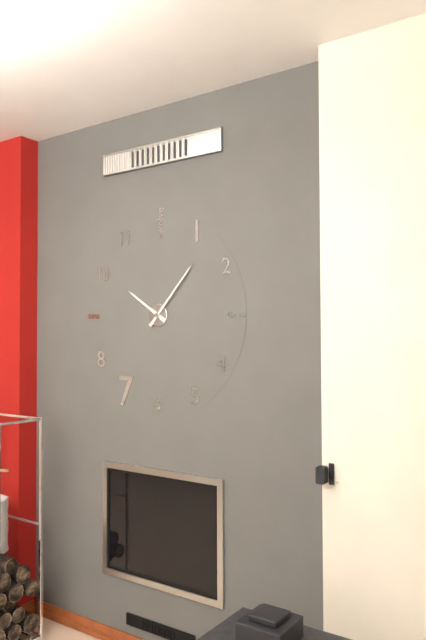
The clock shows 10:07
